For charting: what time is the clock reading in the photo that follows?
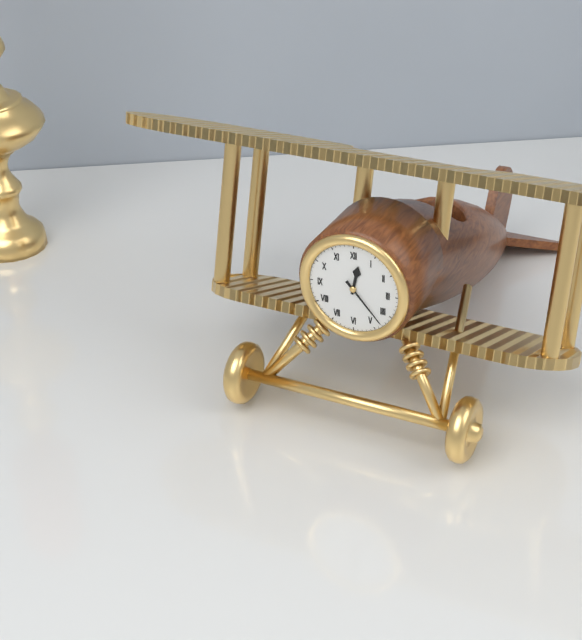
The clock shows 12:23
